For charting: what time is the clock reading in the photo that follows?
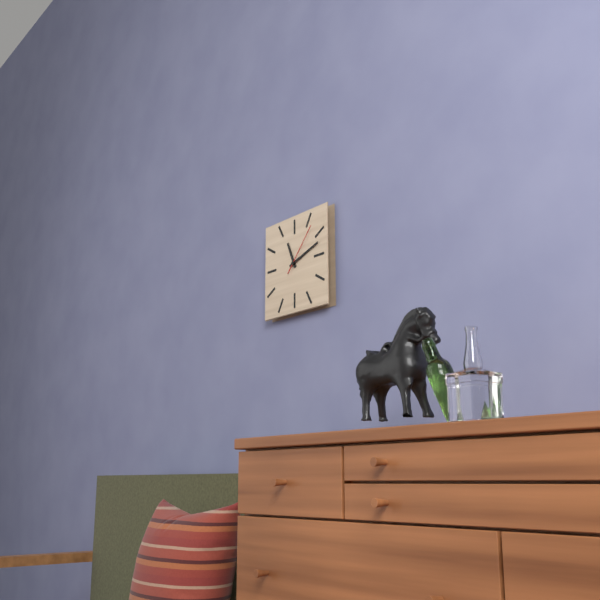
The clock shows 11:12:07
